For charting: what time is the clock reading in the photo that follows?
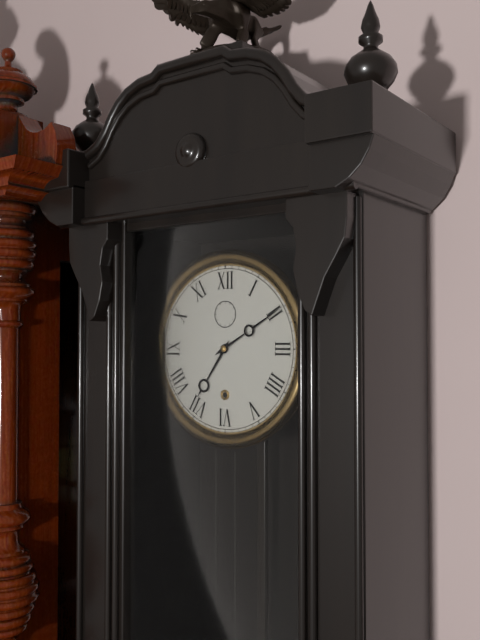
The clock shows 7:10
